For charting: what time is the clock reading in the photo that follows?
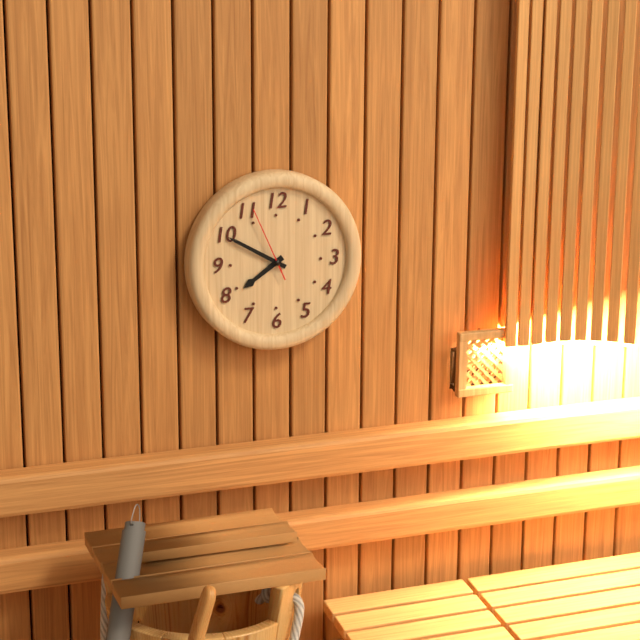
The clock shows 7:50:56
